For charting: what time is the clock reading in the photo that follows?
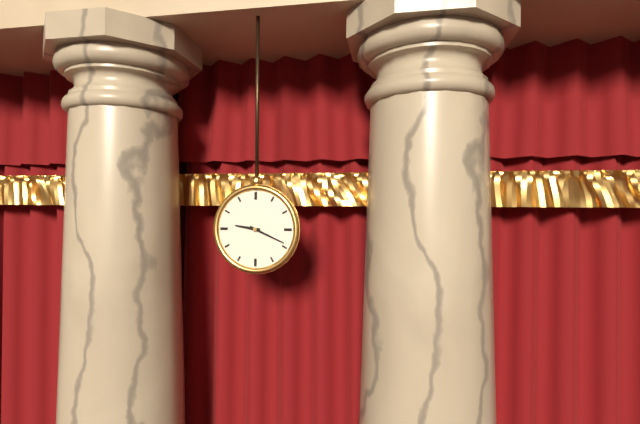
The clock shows 9:19
